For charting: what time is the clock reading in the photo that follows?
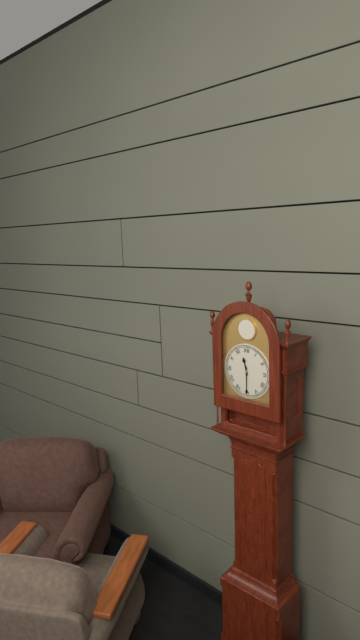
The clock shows 11:30
